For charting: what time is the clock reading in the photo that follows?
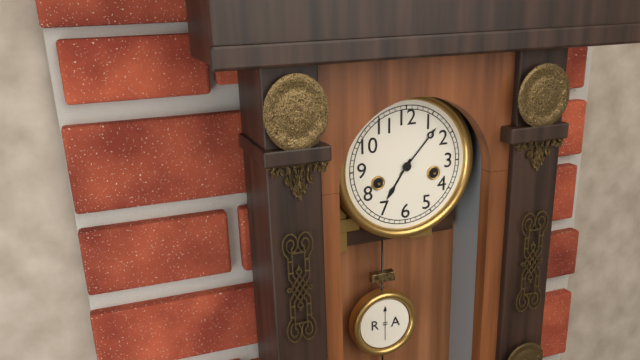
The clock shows 7:07
